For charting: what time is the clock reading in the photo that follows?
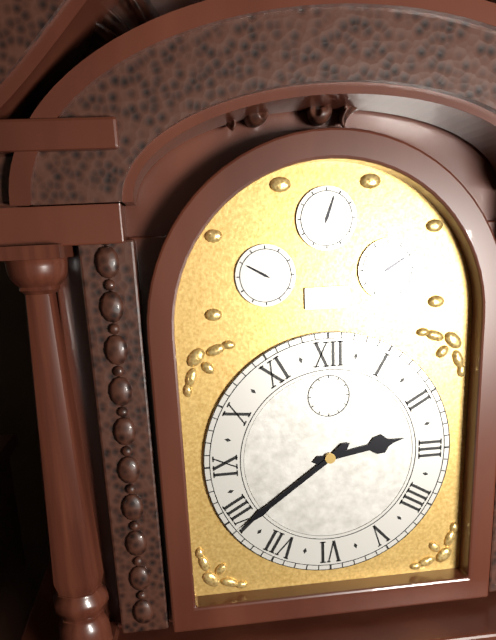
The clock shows 2:39
